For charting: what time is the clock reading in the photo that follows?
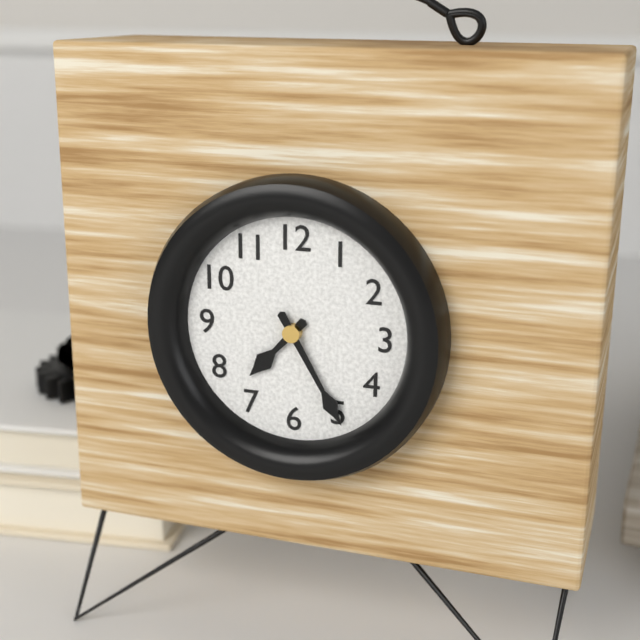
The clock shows 7:25
